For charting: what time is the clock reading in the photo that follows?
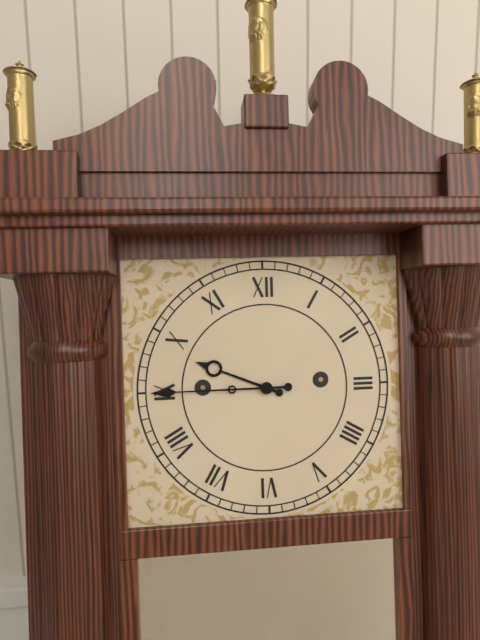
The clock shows 9:45
